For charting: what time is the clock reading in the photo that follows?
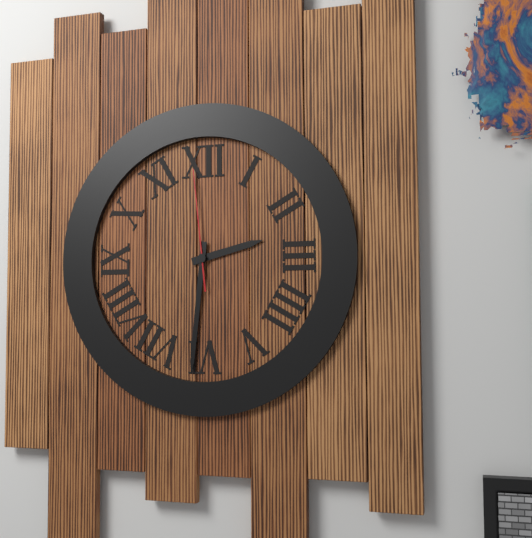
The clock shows 2:31:59
